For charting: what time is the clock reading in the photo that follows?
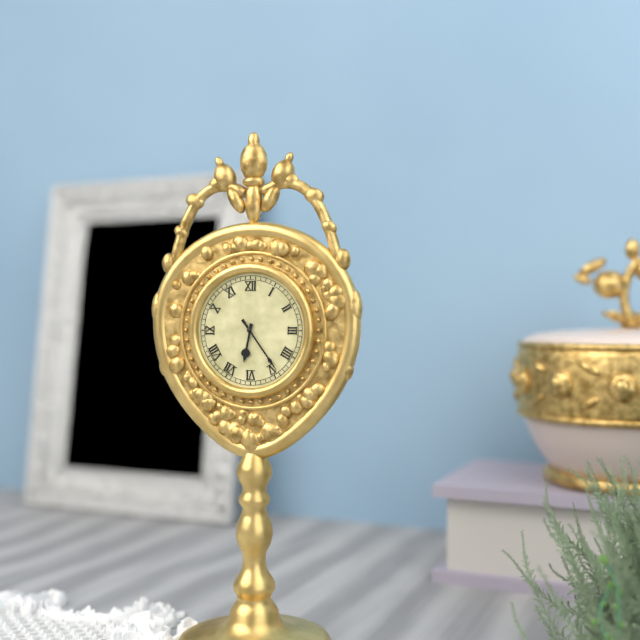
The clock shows 6:24
